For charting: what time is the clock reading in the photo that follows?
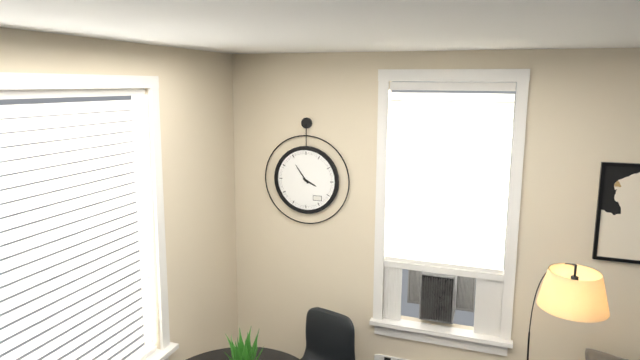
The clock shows 3:54
